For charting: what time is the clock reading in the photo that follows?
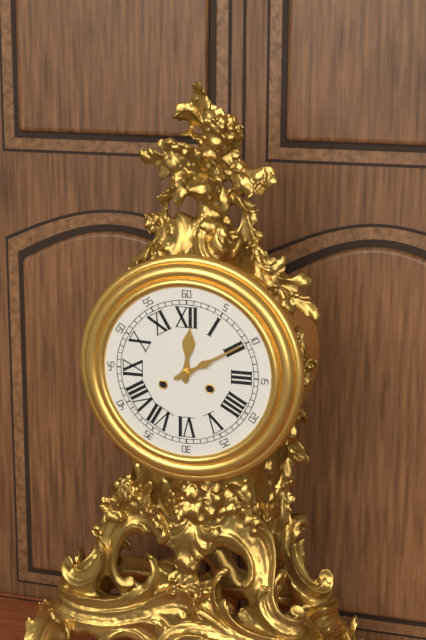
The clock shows 12:10
